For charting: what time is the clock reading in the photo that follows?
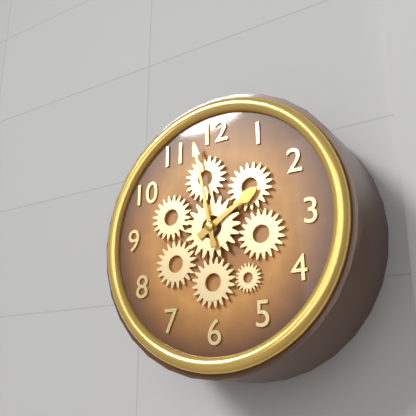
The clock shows 1:58
